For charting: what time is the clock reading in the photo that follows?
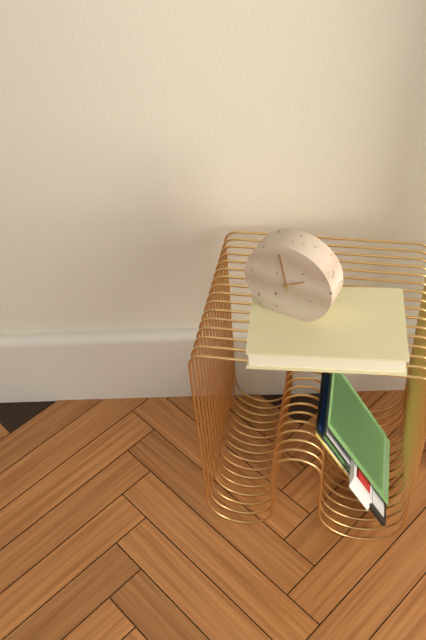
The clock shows 1:58
